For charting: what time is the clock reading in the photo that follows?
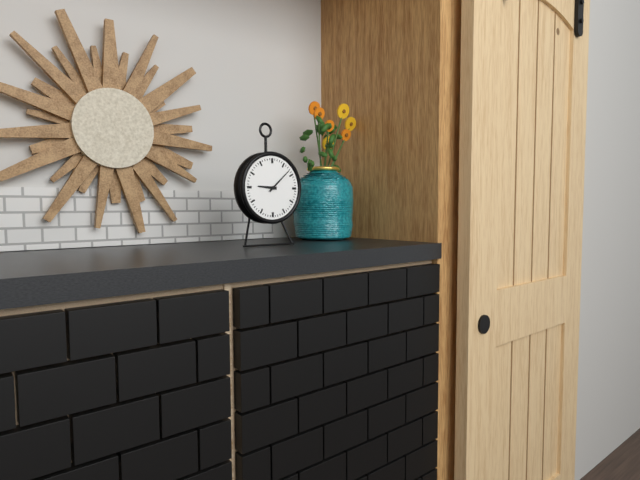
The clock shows 9:08
